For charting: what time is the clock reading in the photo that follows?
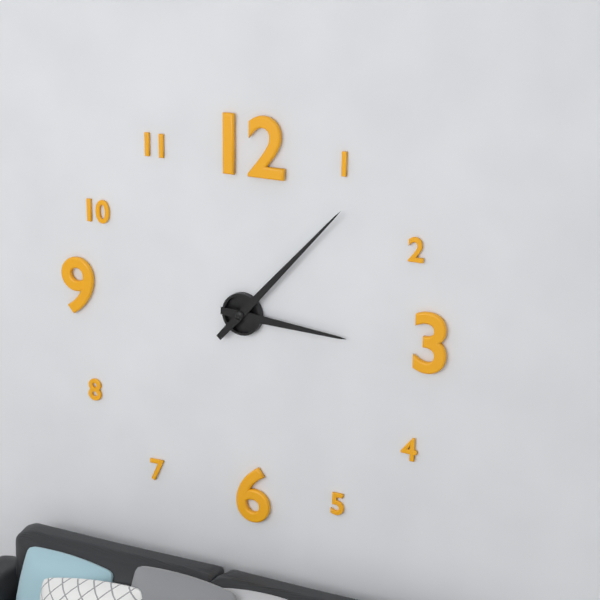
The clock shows 3:07
